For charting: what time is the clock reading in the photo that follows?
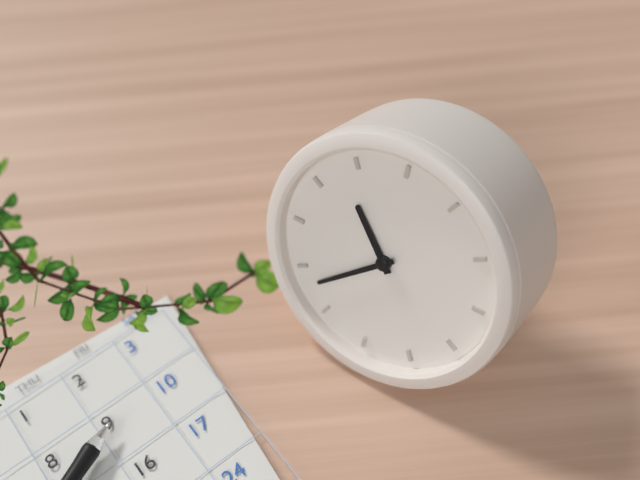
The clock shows 10:38
